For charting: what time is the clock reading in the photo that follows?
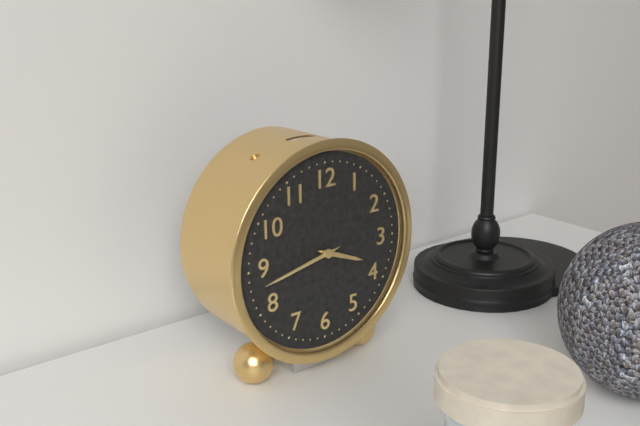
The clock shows 3:43
